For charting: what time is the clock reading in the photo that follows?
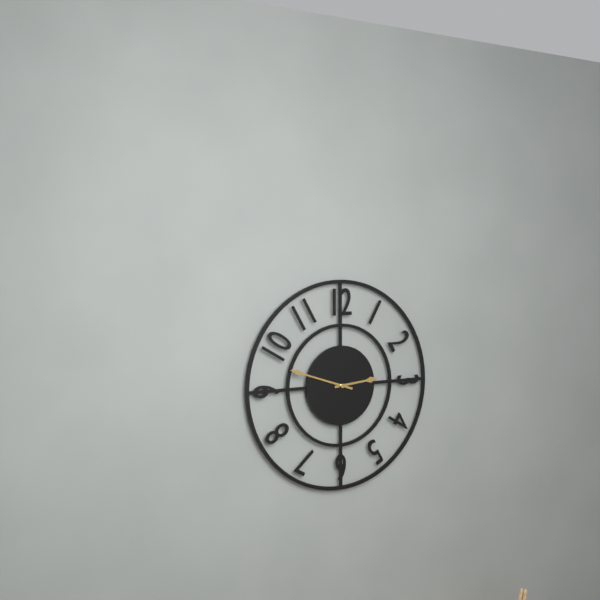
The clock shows 2:48
